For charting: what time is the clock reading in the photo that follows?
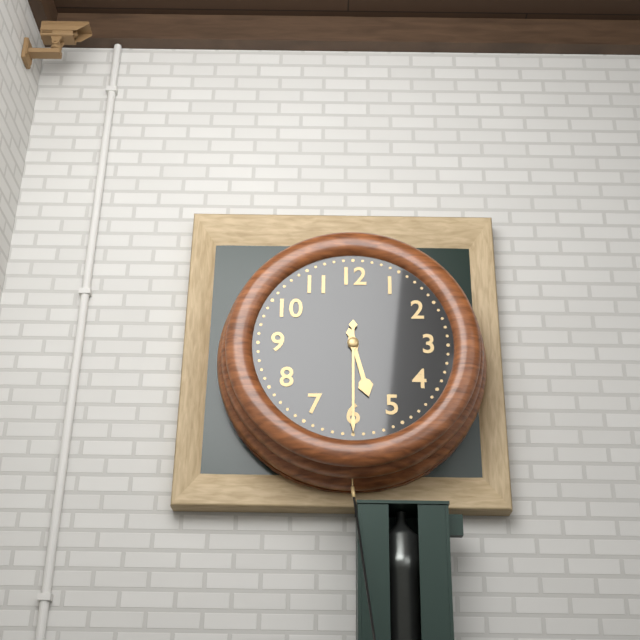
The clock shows 5:30
